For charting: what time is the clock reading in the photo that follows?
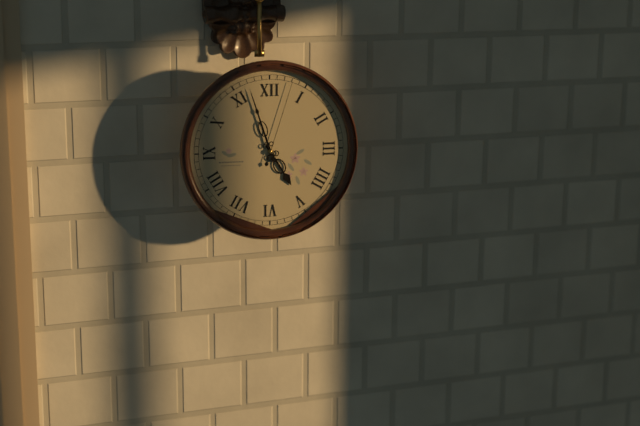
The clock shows 4:57:03
